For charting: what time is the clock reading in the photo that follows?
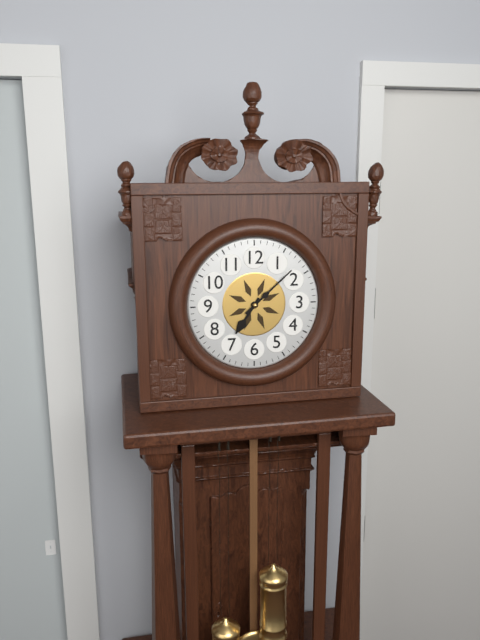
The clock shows 7:08
